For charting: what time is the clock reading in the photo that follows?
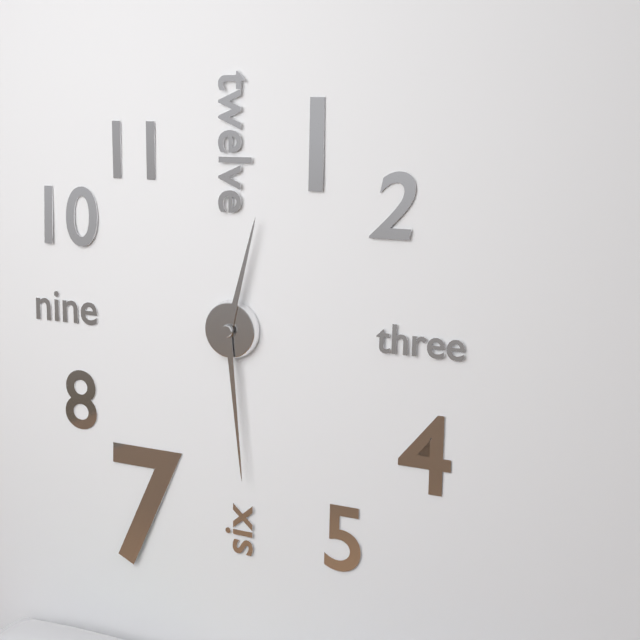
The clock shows 12:29
